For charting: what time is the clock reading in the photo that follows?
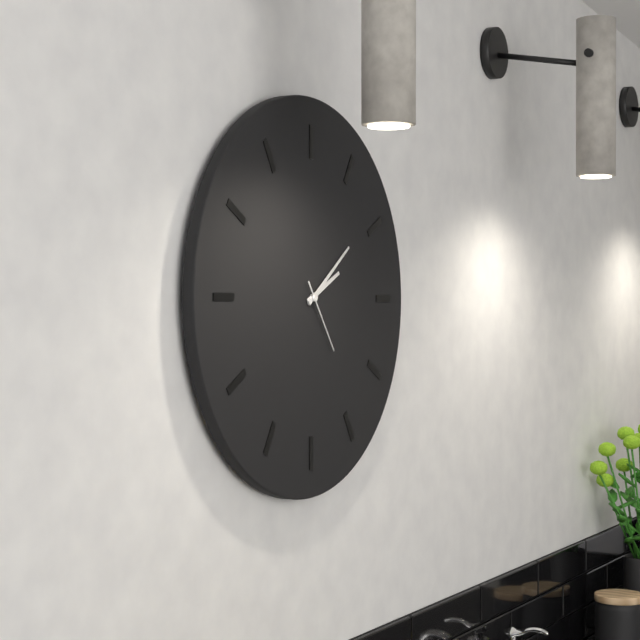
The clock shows 2:09:24
